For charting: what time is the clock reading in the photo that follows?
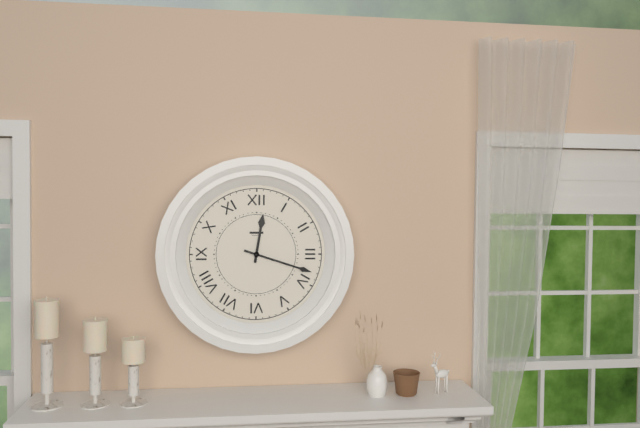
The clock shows 12:18
